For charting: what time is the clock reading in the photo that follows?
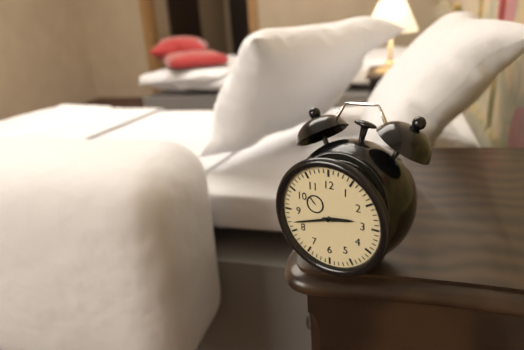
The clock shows 2:42
